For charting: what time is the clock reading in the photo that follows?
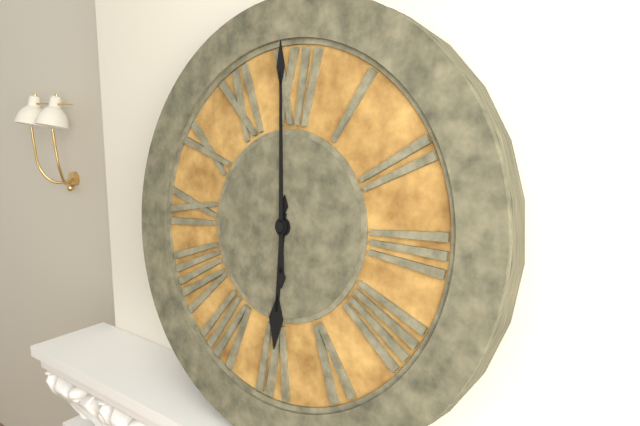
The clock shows 5:59
